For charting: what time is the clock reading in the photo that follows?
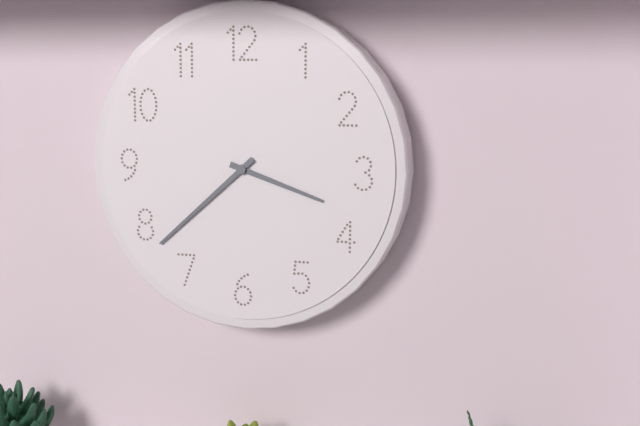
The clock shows 3:38
